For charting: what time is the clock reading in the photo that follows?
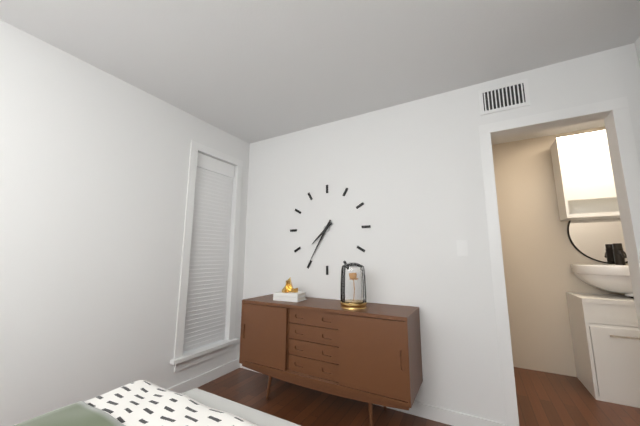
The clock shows 7:35
